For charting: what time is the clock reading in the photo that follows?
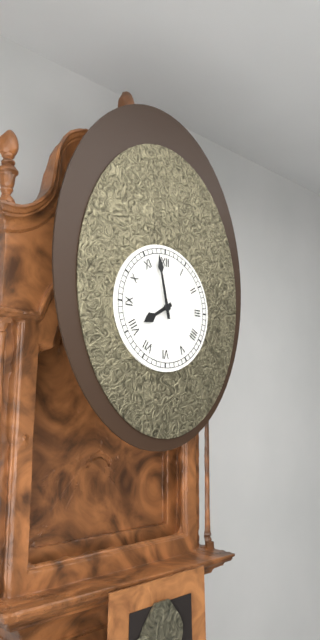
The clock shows 7:58
